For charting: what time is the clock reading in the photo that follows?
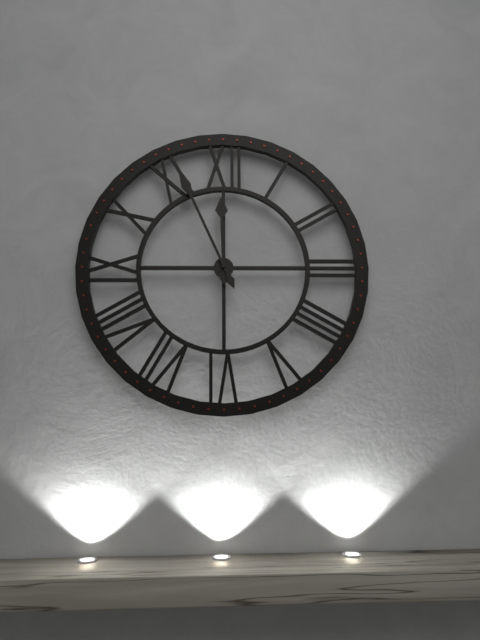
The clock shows 11:56
